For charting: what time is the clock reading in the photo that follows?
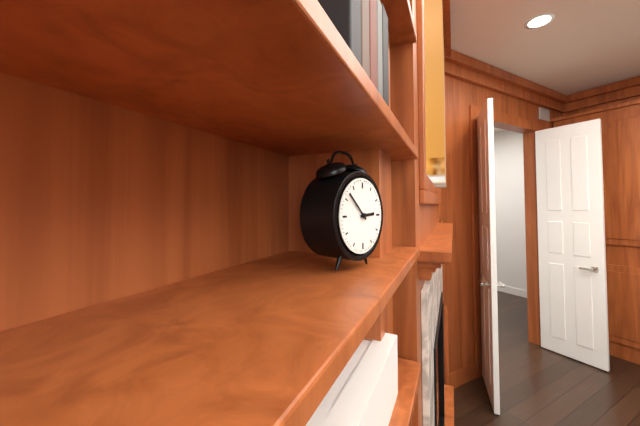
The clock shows 2:52
